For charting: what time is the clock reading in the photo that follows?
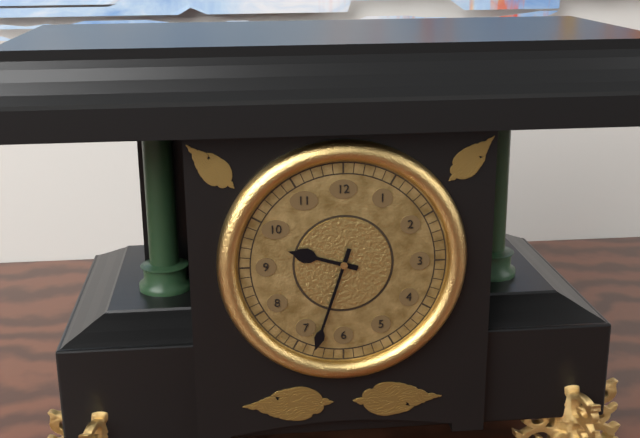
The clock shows 9:33
